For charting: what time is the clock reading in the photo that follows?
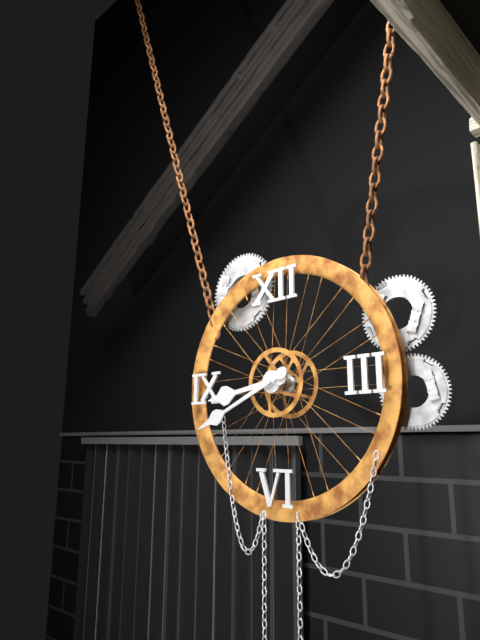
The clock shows 8:41
